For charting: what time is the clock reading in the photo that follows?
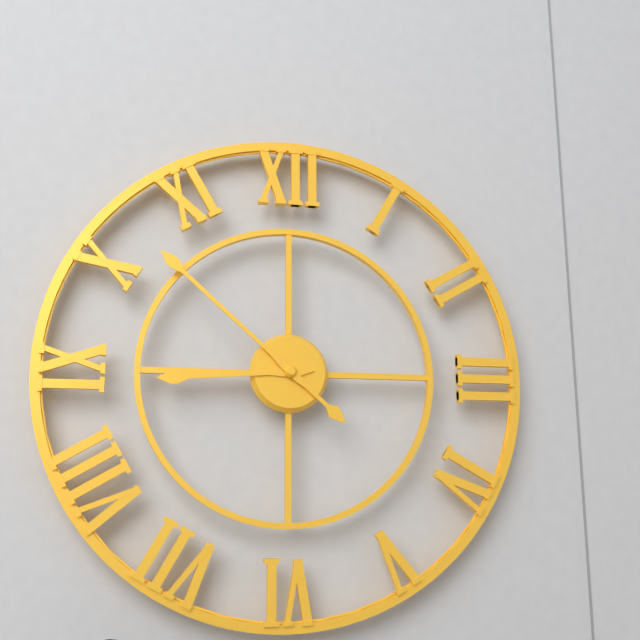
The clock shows 8:52
